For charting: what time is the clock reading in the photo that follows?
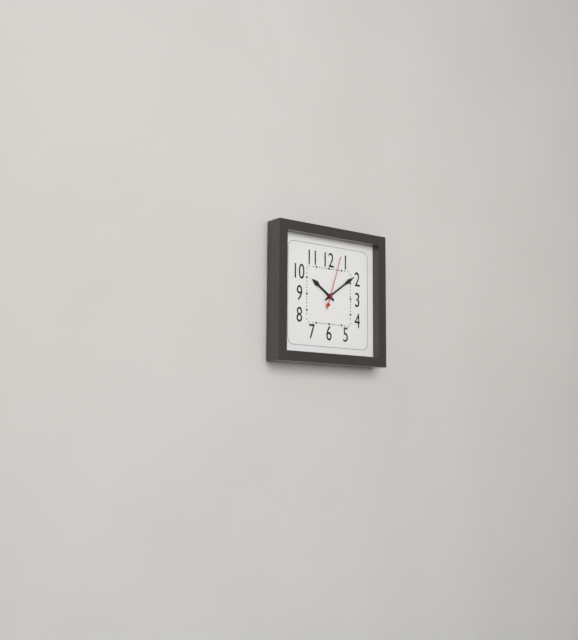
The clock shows 10:09:03
